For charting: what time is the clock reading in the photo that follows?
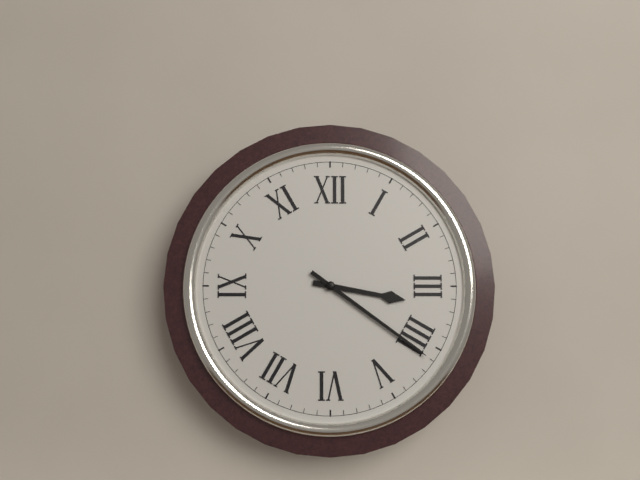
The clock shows 3:21
